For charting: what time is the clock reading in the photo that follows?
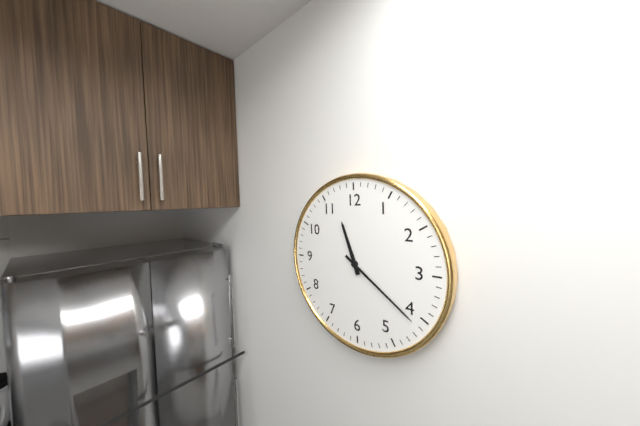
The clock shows 11:21
